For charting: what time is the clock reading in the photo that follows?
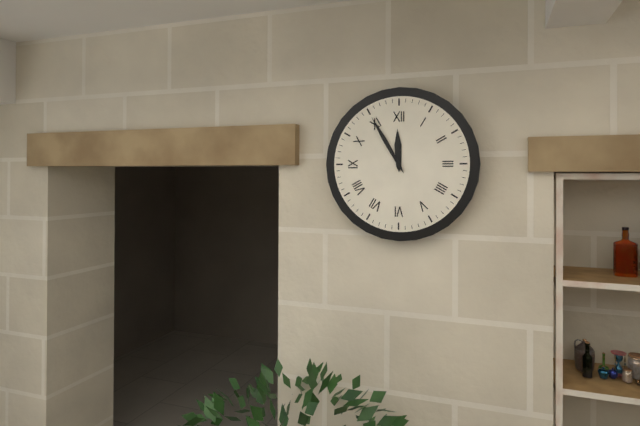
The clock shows 11:55
